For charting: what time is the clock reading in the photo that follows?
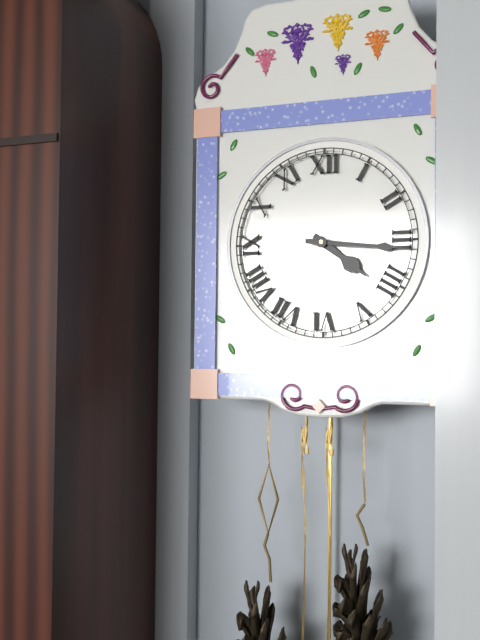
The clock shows 4:16
